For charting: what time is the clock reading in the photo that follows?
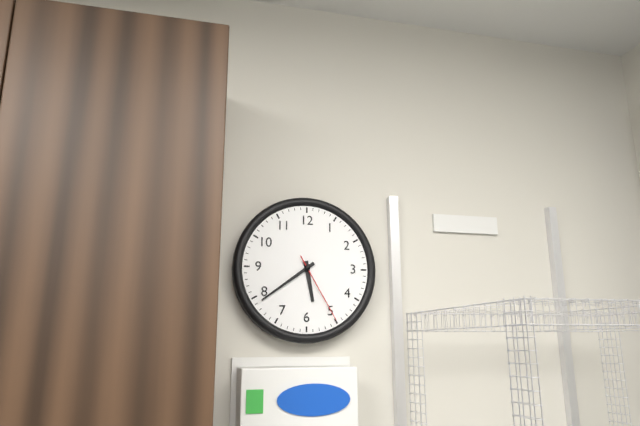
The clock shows 5:39:25
